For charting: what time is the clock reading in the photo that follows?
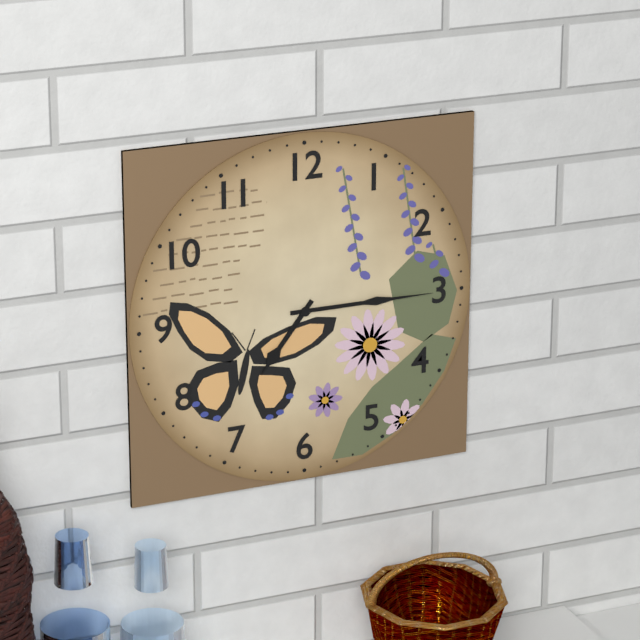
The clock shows 7:15
